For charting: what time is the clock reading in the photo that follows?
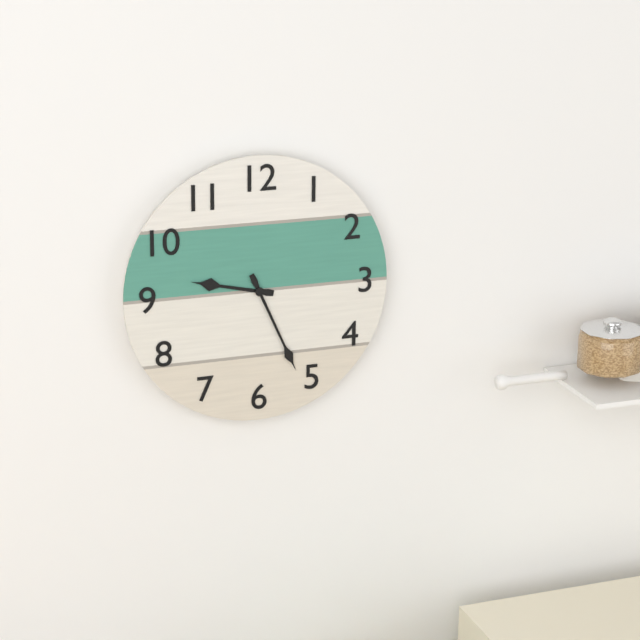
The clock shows 9:26
